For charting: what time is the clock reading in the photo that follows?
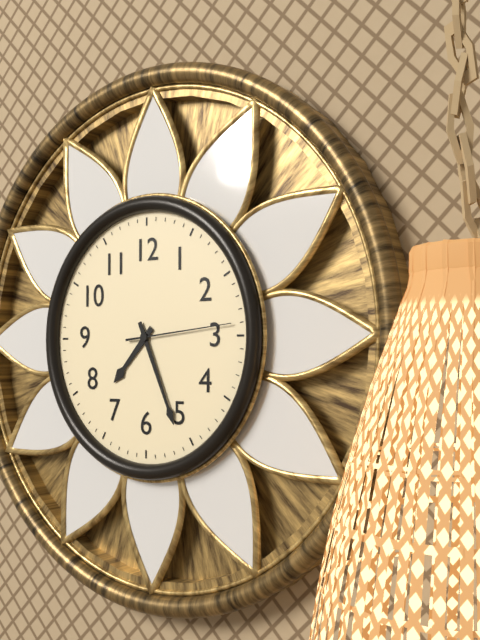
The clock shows 7:26:14
